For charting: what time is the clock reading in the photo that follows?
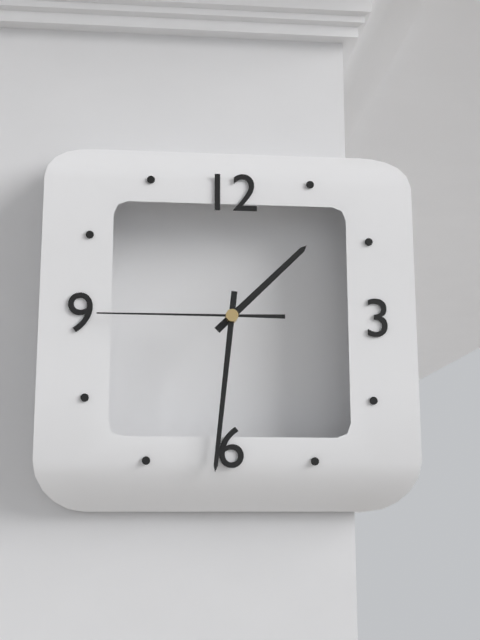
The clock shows 1:31:45
